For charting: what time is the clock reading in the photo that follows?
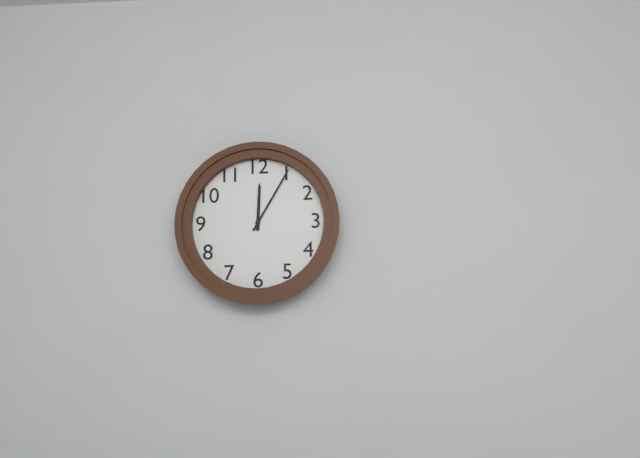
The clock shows 12:05
